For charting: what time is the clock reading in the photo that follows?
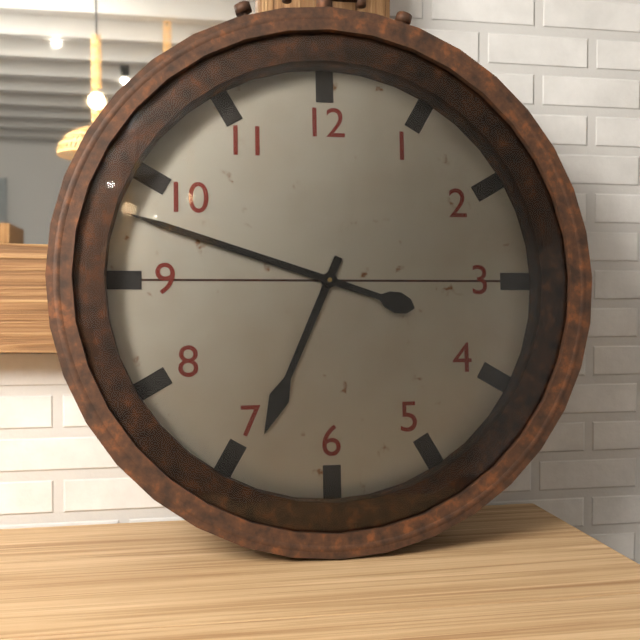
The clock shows 6:48
